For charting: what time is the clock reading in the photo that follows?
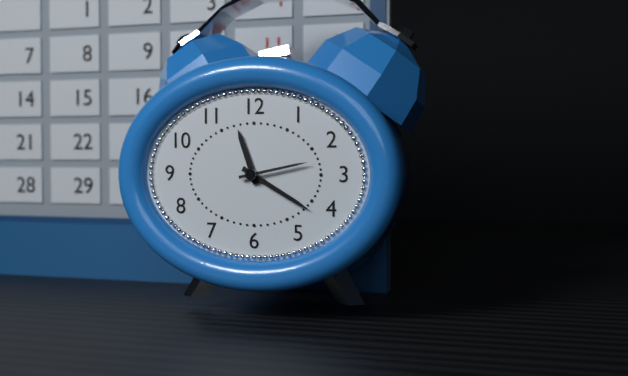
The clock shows 11:20:13
